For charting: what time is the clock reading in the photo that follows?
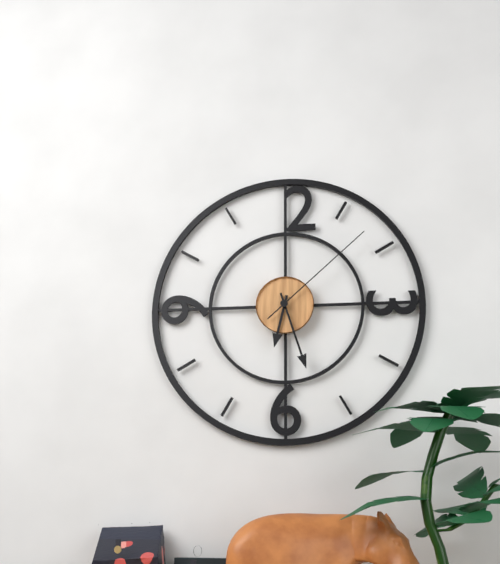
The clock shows 6:27:08
